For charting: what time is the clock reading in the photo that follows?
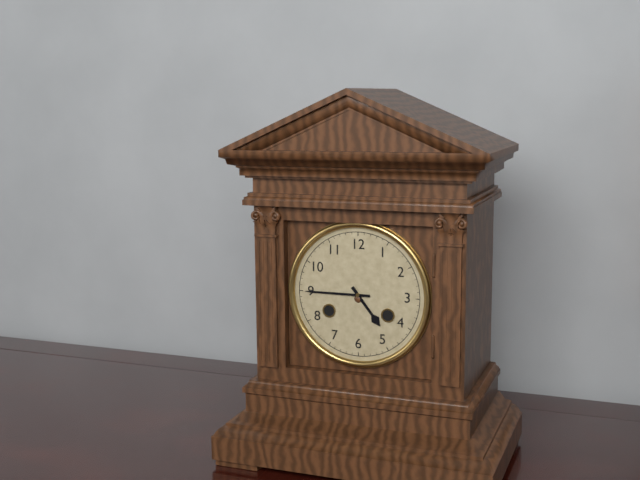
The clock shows 4:45
